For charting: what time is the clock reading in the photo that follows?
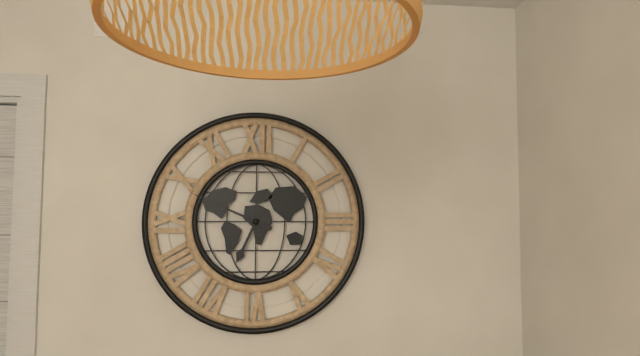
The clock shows 6:49
